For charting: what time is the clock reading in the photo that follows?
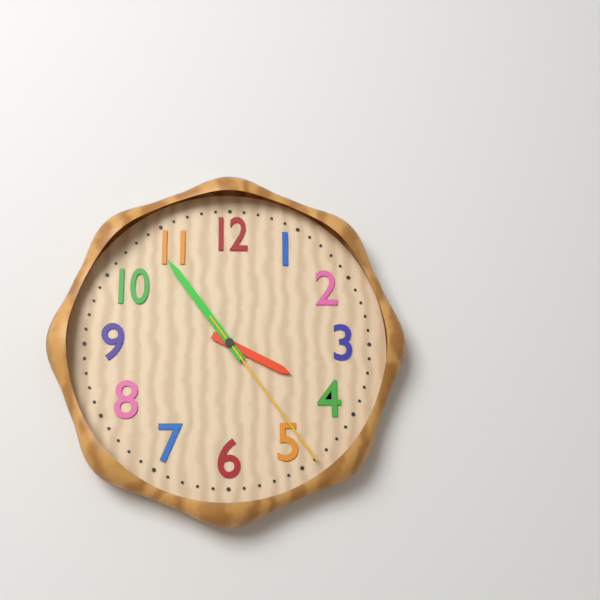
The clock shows 3:54:24
